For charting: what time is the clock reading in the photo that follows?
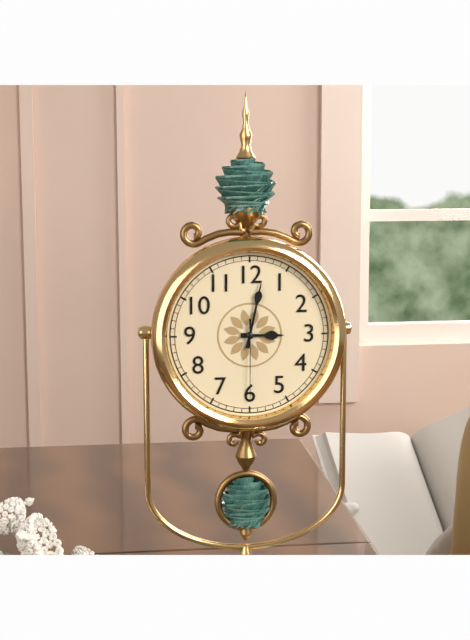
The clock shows 3:02:30
